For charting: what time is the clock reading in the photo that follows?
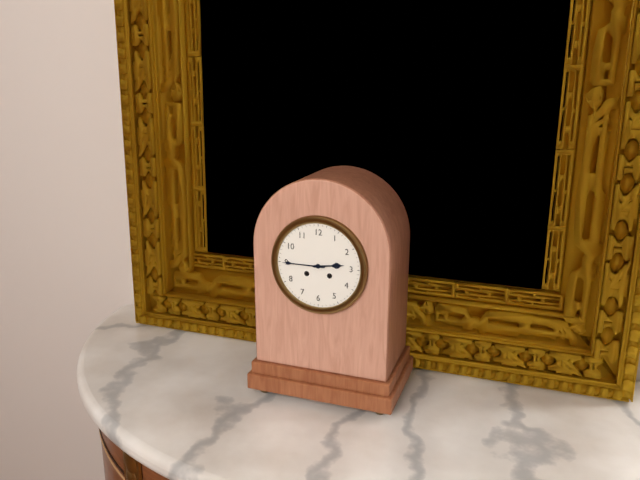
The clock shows 2:45
